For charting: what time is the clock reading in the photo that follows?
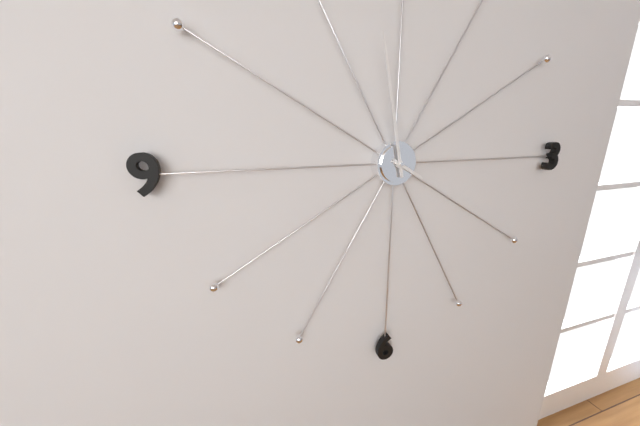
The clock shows 3:58
